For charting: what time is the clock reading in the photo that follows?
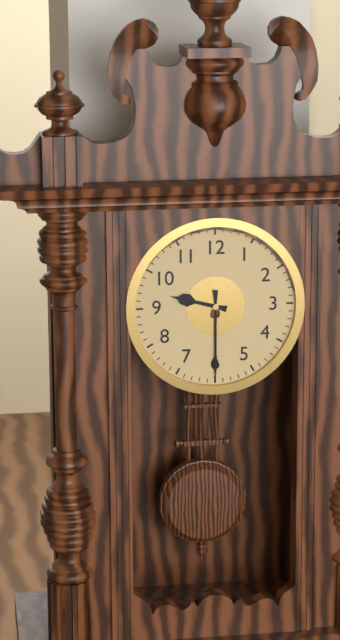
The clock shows 9:30
